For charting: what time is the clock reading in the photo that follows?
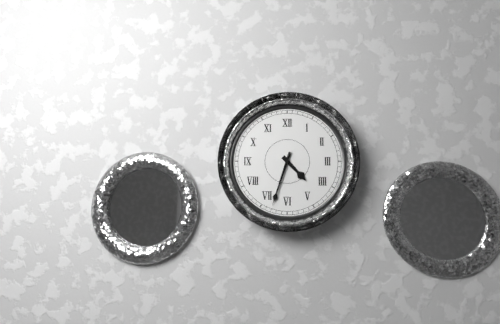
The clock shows 4:33
